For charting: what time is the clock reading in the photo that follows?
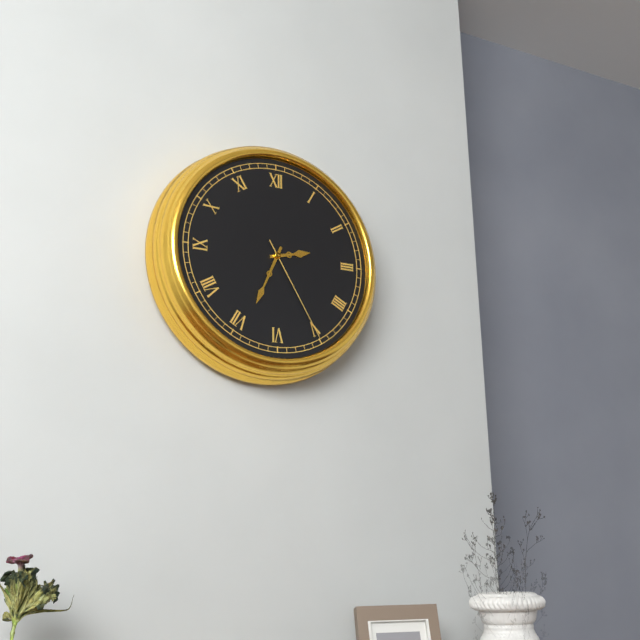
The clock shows 2:34:25
